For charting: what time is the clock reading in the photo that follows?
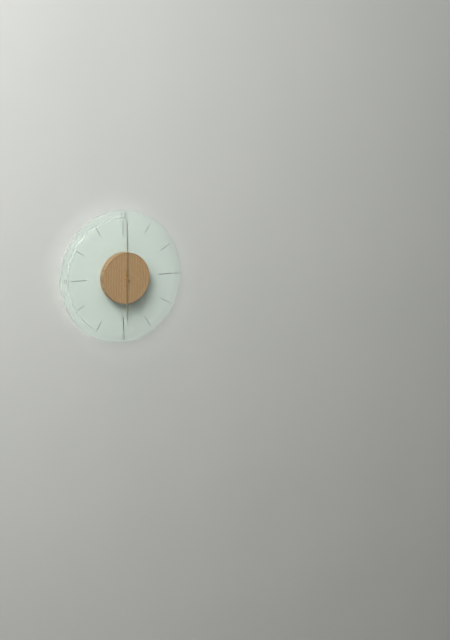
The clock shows 6:00
